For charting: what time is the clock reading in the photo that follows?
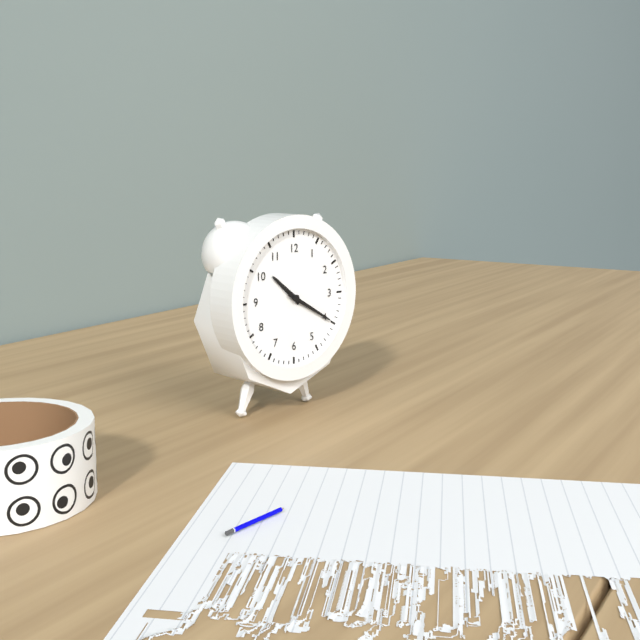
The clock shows 10:20
